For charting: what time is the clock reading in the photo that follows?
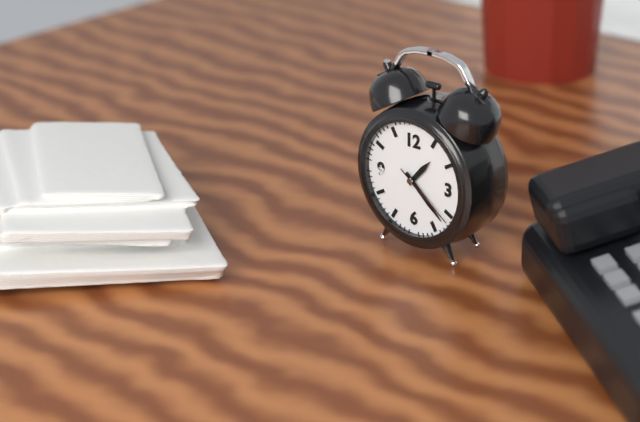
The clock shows 1:22:21
